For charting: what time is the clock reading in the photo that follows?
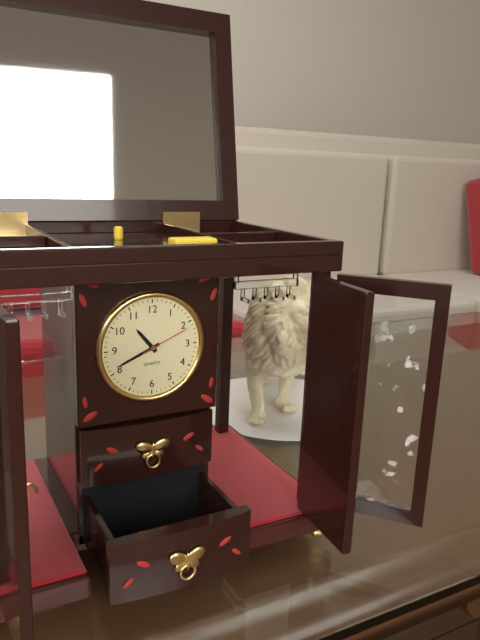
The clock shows 10:41:11
